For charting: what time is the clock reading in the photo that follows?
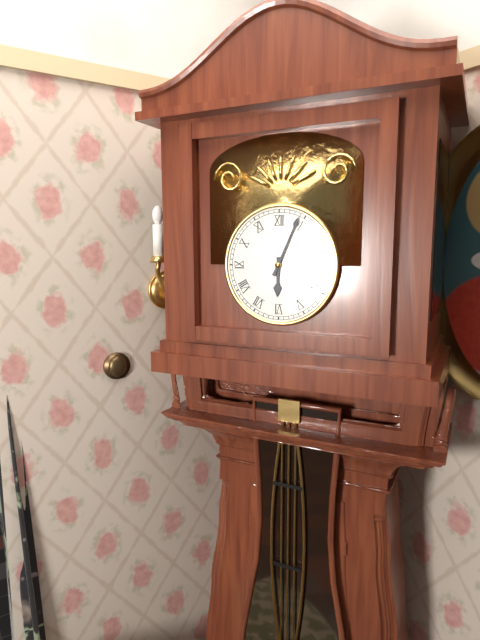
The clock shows 6:04
